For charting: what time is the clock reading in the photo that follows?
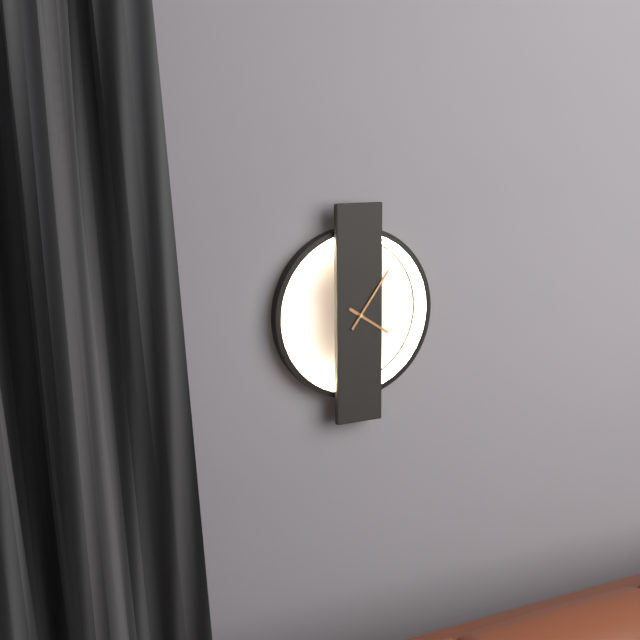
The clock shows 4:06
